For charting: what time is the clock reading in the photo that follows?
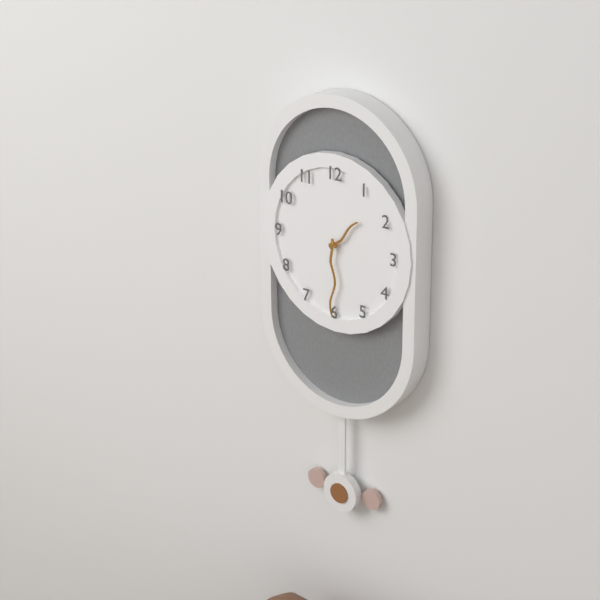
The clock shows 1:30
